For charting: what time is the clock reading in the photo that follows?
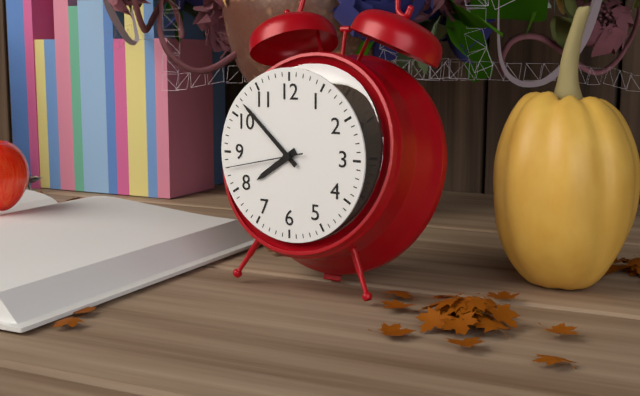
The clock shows 7:52:43
